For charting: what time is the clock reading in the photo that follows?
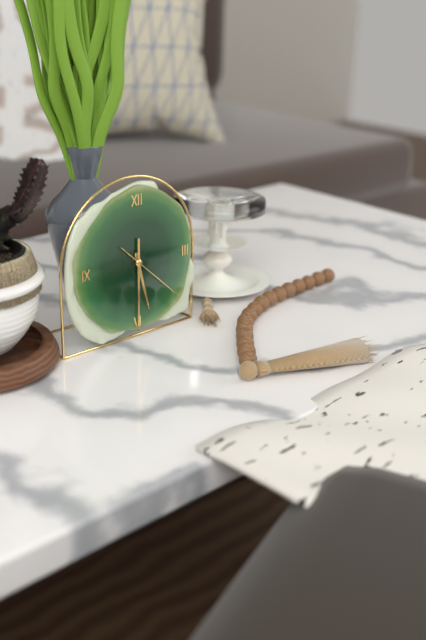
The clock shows 5:30:22
